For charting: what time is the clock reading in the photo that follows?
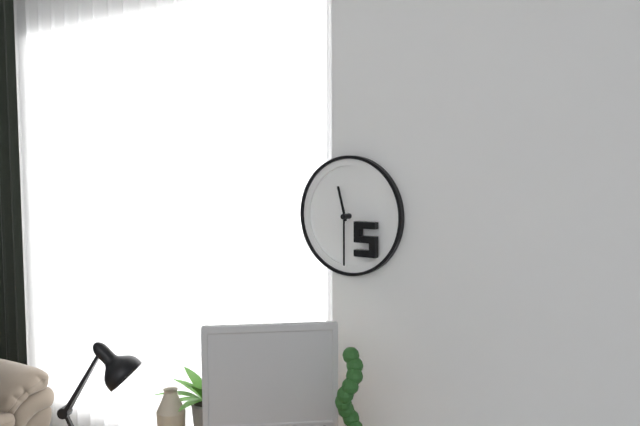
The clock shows 11:30
